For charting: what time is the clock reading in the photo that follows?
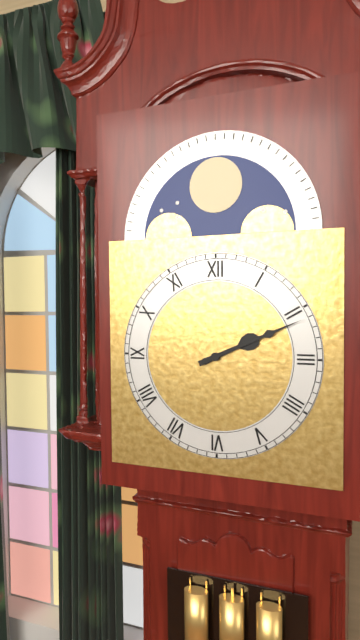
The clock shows 2:11
